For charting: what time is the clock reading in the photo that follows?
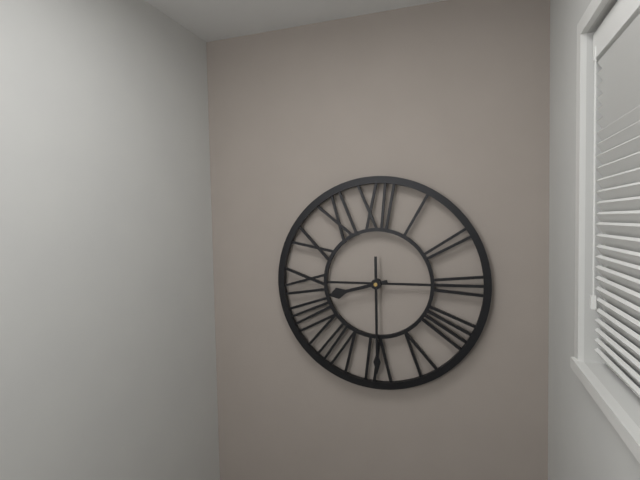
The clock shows 8:30
